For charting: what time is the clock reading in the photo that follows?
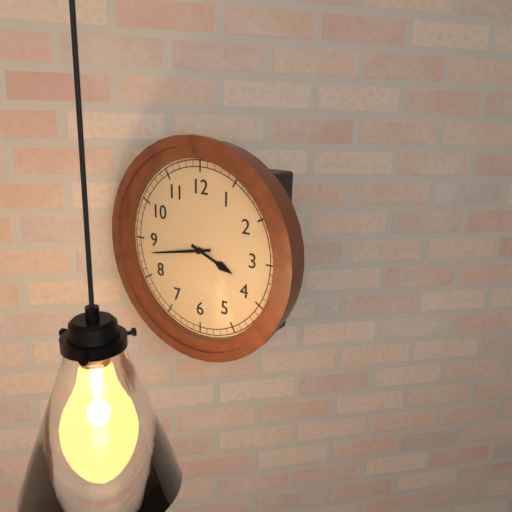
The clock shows 3:43
